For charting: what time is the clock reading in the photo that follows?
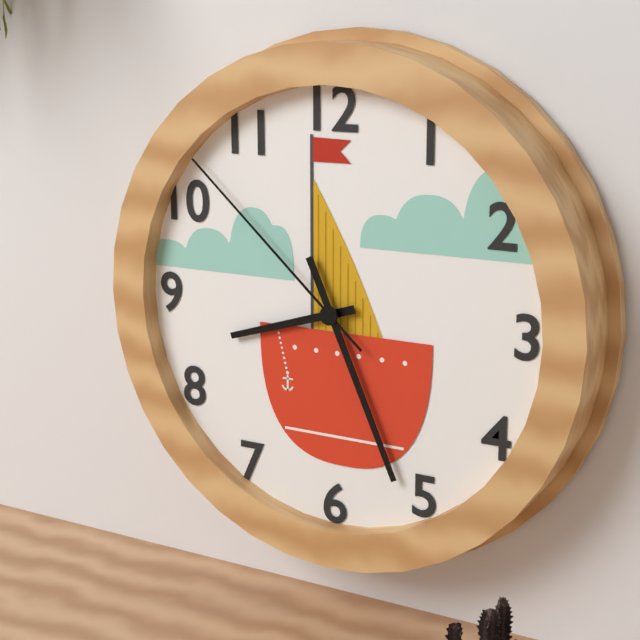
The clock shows 8:26:52
